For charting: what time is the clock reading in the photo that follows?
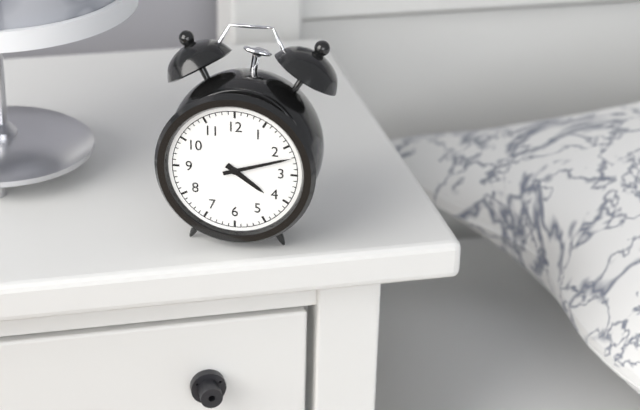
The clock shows 4:12
